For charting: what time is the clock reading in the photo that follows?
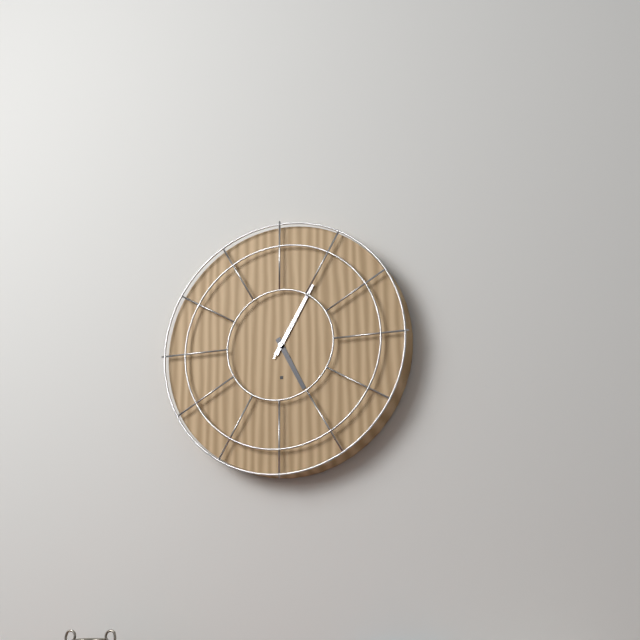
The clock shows 5:05:05
